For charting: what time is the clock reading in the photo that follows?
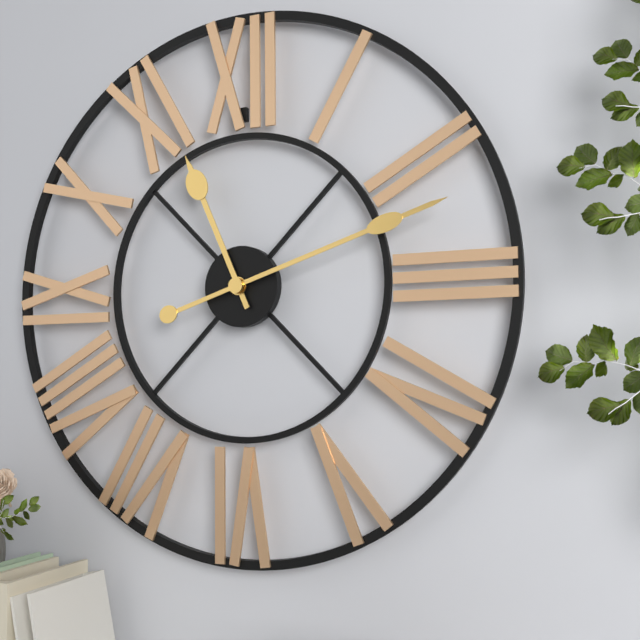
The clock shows 11:12
